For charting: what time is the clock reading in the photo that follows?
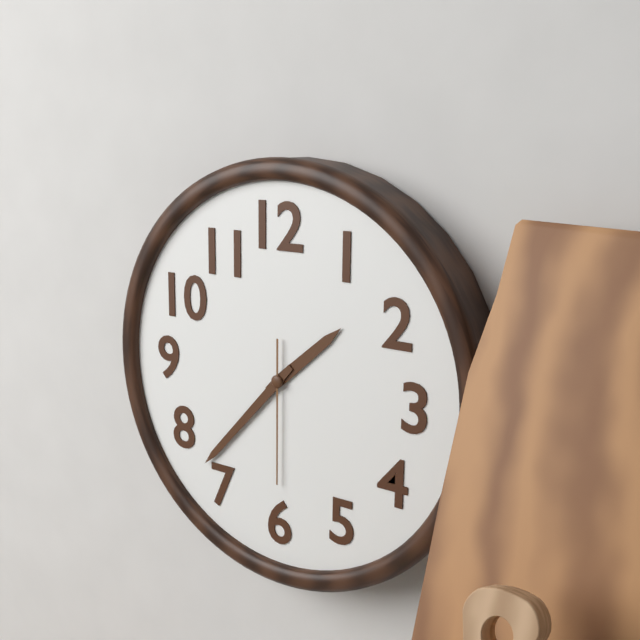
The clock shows 1:37:30
